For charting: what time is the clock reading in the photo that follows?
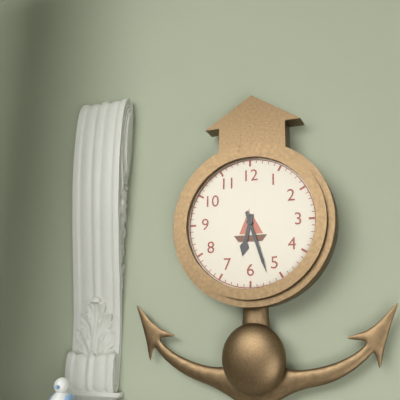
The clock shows 6:27
